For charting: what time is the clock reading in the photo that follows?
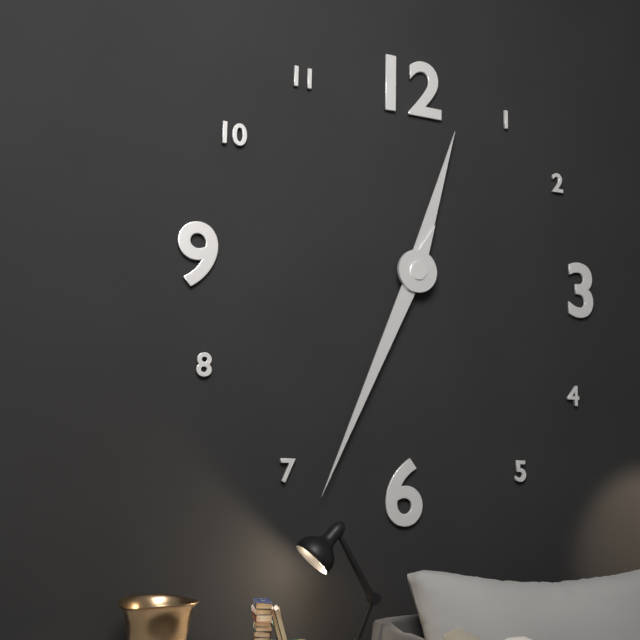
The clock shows 12:34
